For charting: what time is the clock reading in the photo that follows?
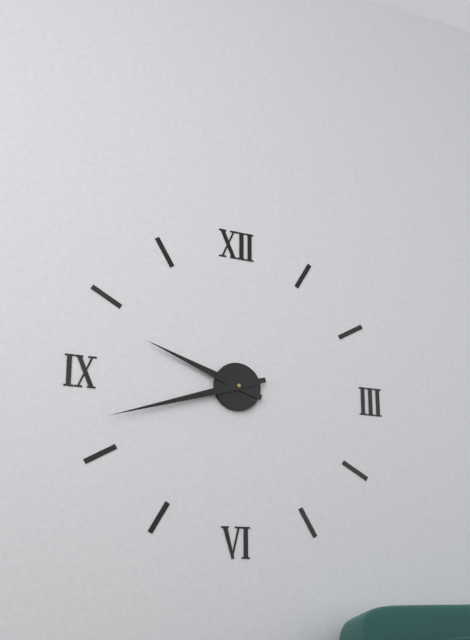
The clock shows 9:42
